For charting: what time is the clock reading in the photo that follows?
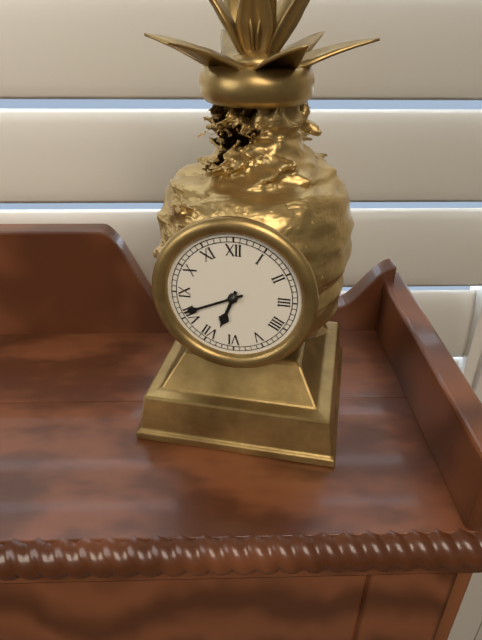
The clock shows 6:41
